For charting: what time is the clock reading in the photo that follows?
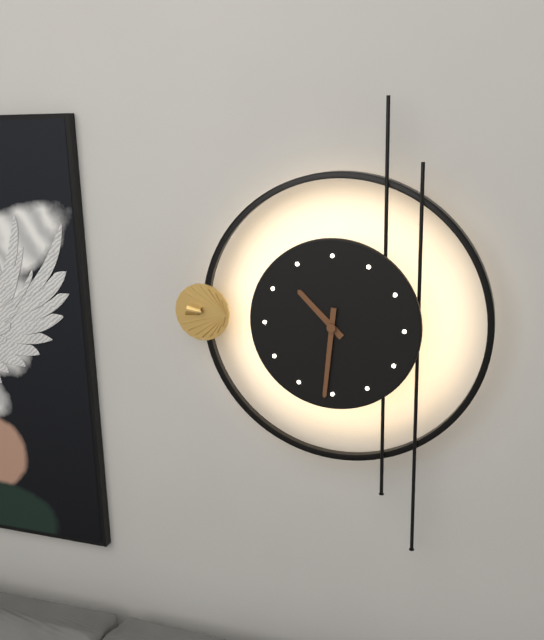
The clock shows 10:31
